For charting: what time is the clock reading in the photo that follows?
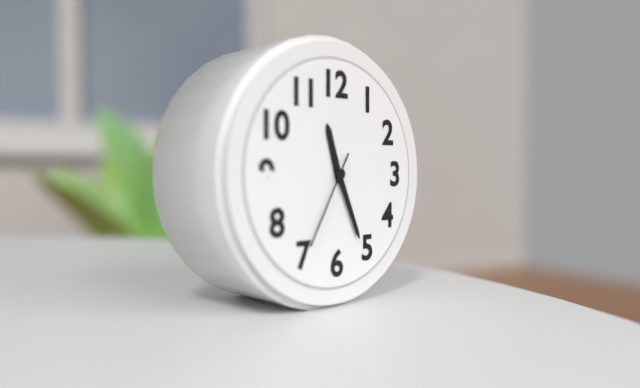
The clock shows 11:26:35
